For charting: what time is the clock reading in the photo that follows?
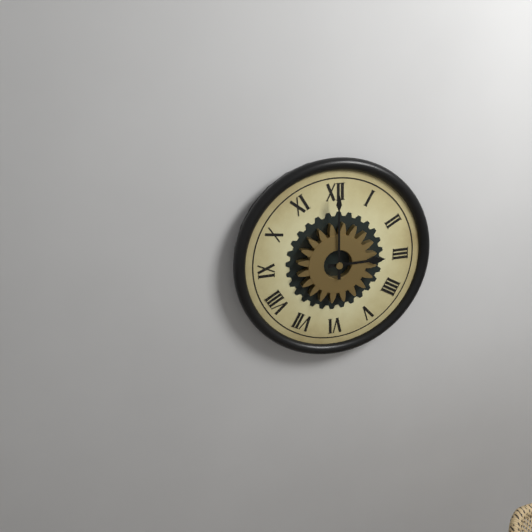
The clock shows 3:00
